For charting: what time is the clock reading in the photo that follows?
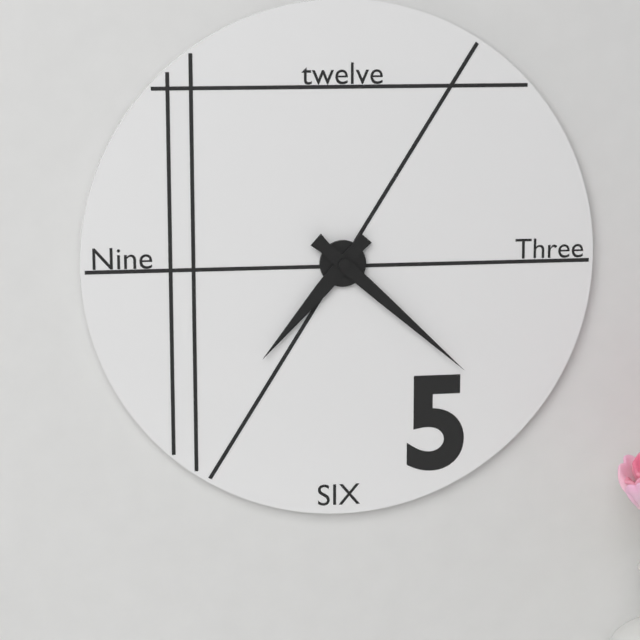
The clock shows 7:22
